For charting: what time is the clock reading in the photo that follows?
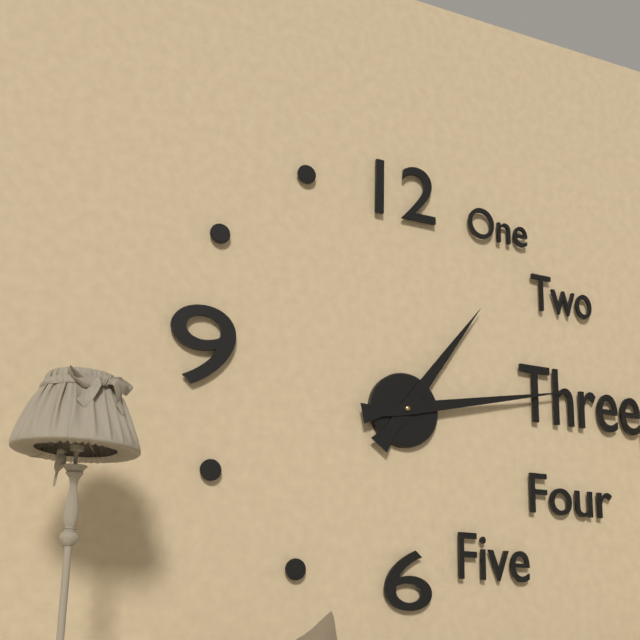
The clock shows 1:13
